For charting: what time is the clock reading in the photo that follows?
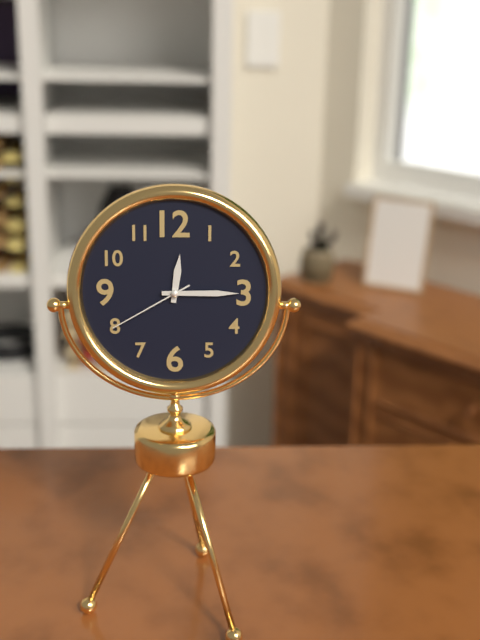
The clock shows 12:15:40
